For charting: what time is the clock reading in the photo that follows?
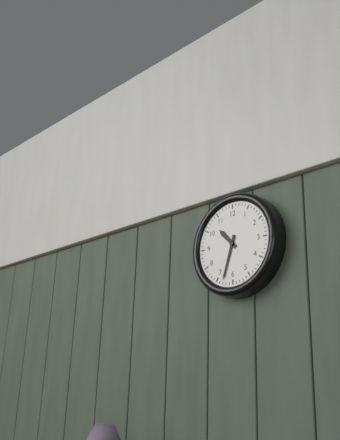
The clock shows 10:33
